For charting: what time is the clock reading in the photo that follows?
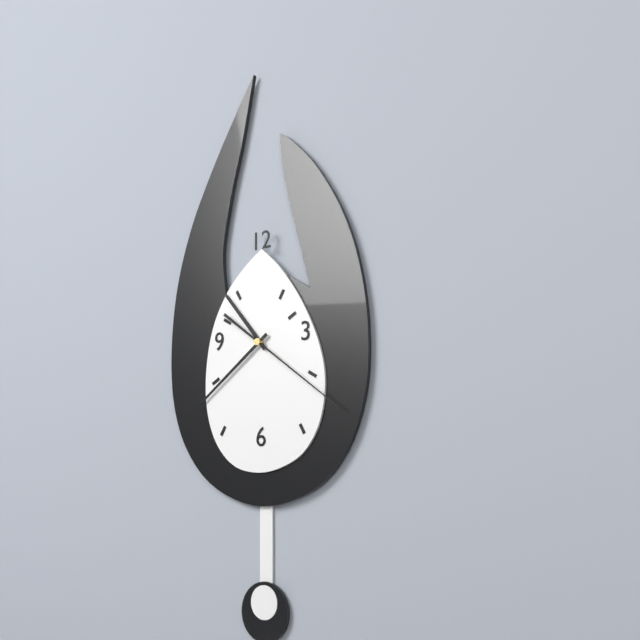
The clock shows 10:39:21
